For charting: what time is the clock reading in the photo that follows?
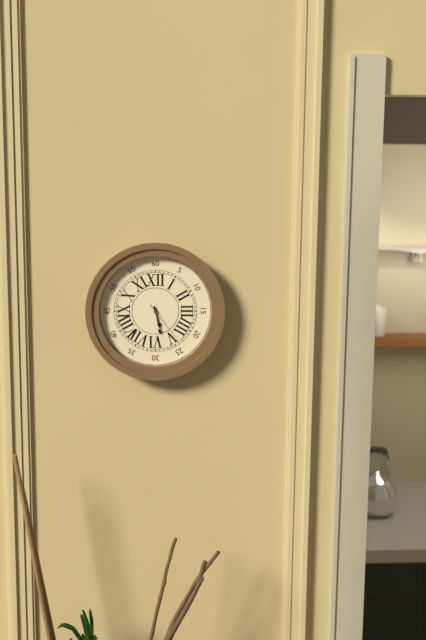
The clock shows 5:28
